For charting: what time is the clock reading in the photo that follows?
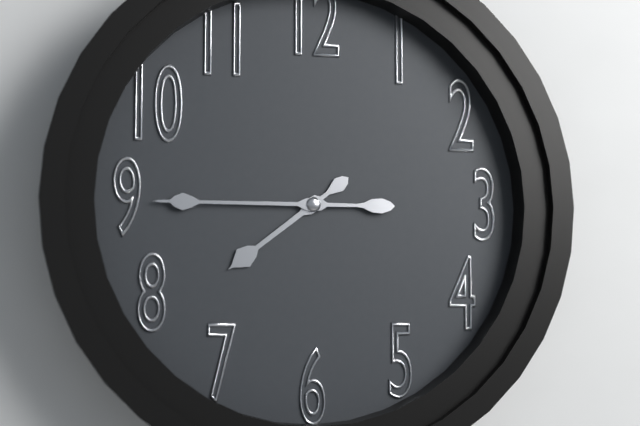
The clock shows 7:45
